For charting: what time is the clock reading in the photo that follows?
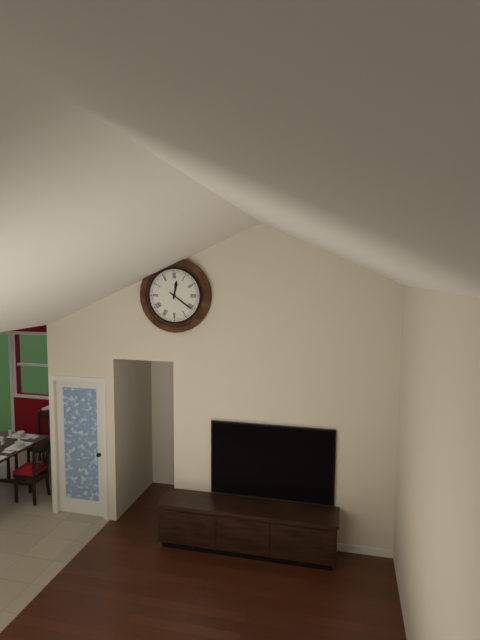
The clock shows 12:21
